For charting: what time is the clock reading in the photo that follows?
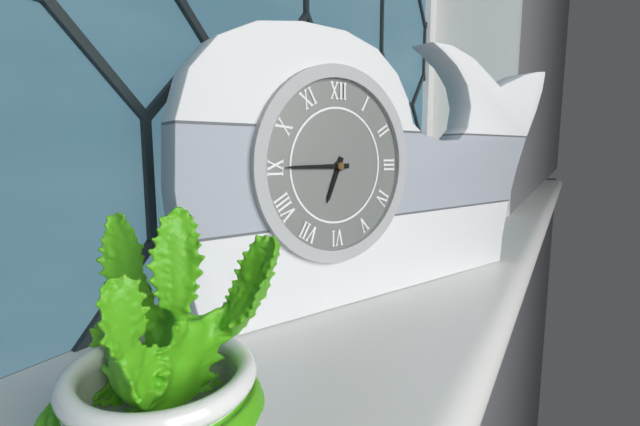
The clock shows 6:45
